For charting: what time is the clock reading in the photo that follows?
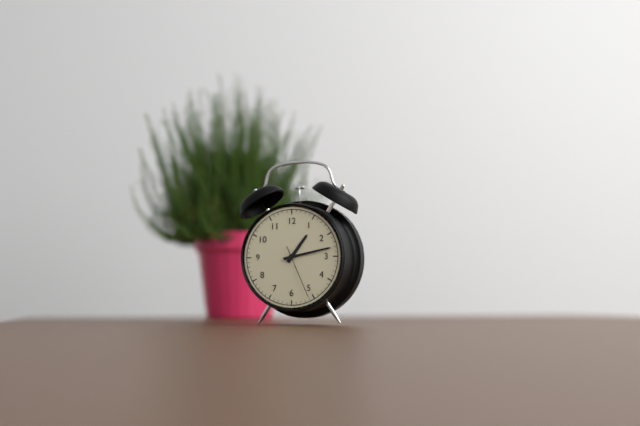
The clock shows 1:13:26
